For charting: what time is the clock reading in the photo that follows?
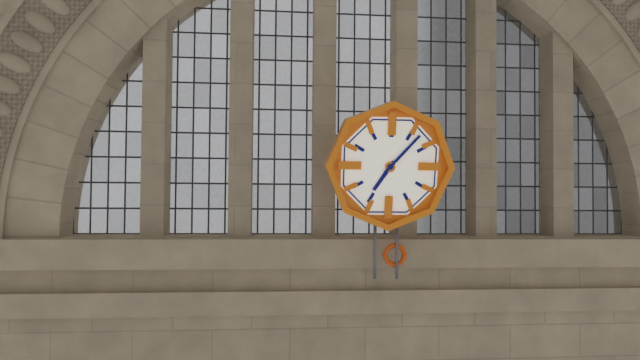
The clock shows 7:07
